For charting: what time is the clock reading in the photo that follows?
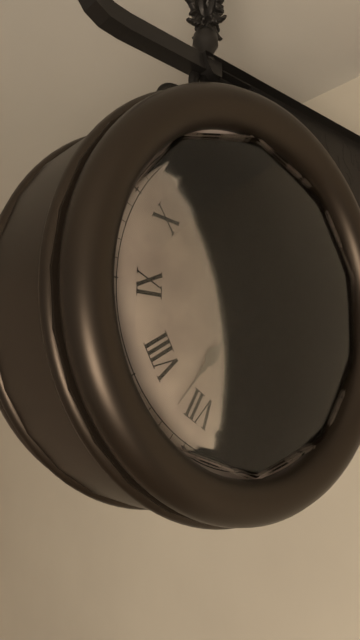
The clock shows 2:37:00
